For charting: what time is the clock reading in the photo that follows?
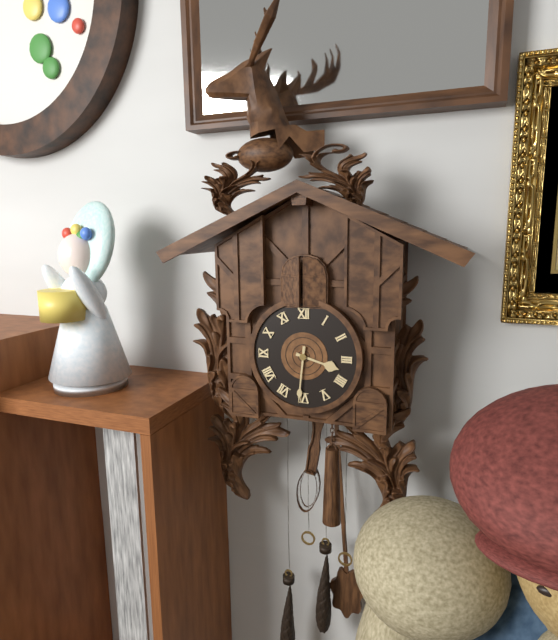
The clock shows 3:31
